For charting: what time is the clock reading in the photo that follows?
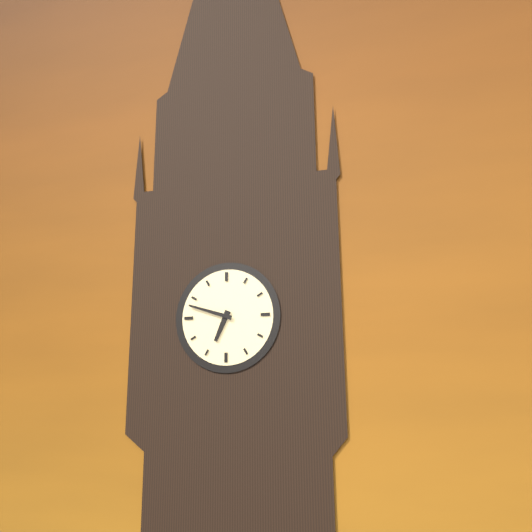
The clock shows 6:48
